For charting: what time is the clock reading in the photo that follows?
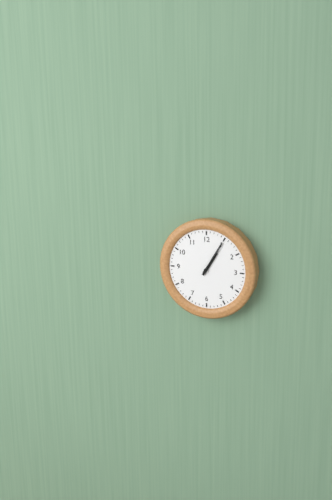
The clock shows 1:05
